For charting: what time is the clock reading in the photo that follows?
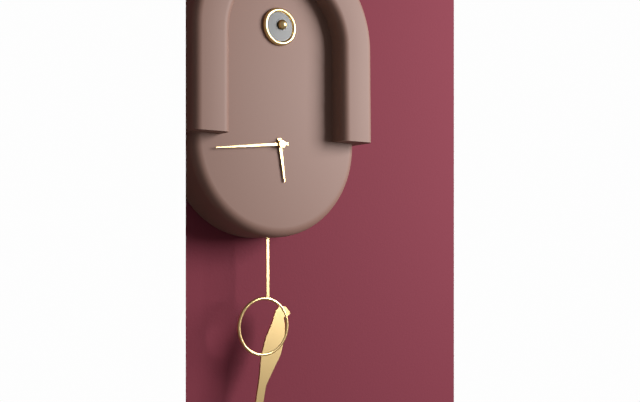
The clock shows 5:44
